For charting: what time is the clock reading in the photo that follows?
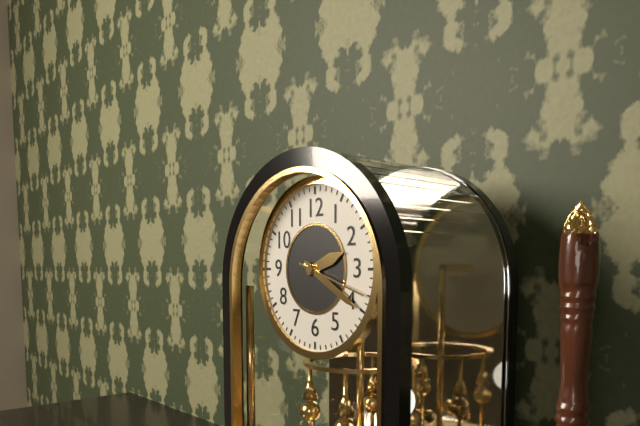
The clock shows 2:20:18
